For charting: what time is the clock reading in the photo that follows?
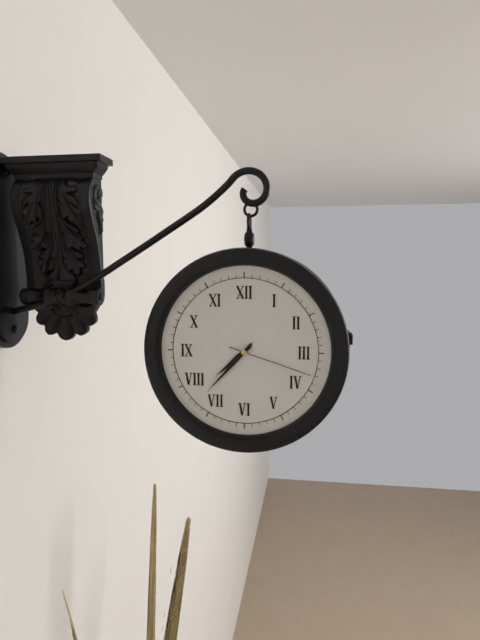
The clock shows 7:37:18
